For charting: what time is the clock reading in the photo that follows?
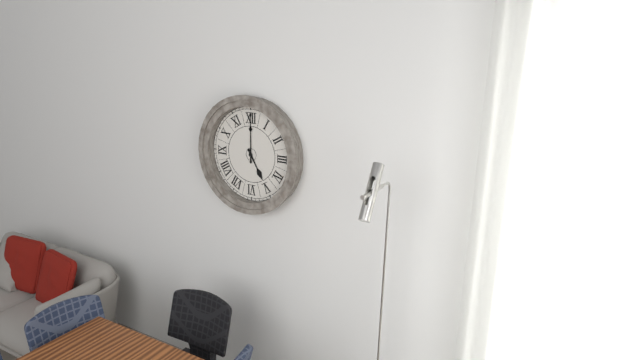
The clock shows 5:00
